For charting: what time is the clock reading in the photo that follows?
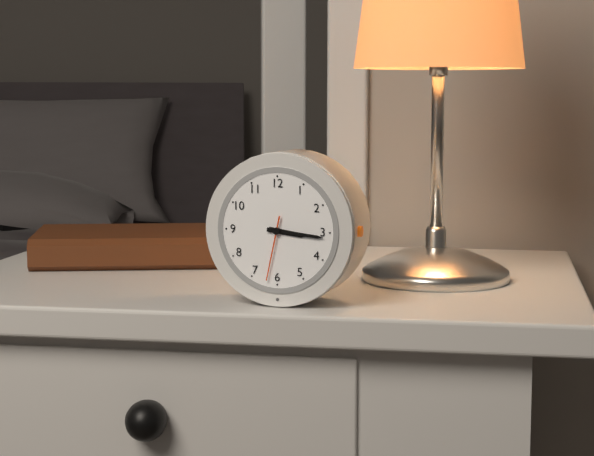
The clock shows 3:16:32
